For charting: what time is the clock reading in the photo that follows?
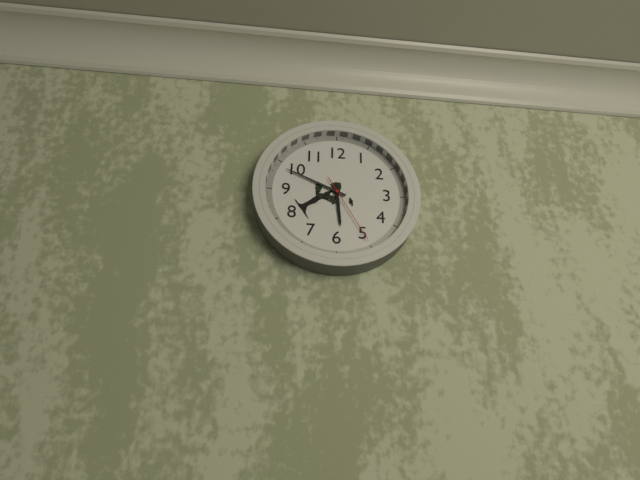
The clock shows 5:49:25
